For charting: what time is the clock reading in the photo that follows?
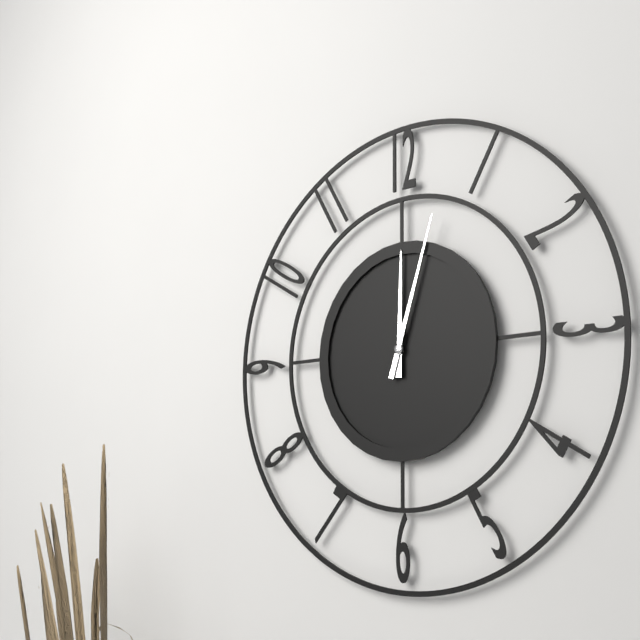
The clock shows 12:03
